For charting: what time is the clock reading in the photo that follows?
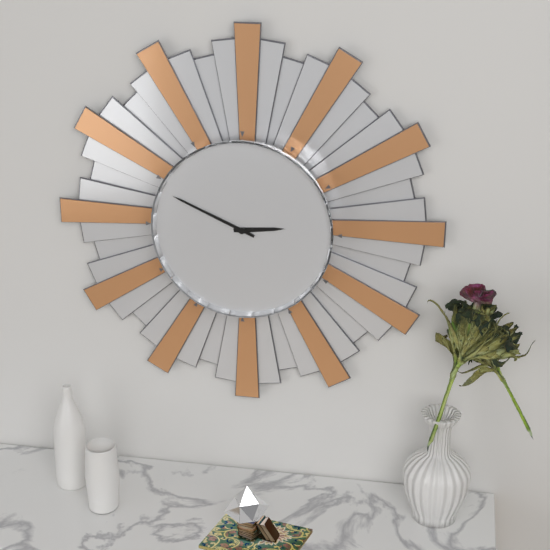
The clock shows 2:49
